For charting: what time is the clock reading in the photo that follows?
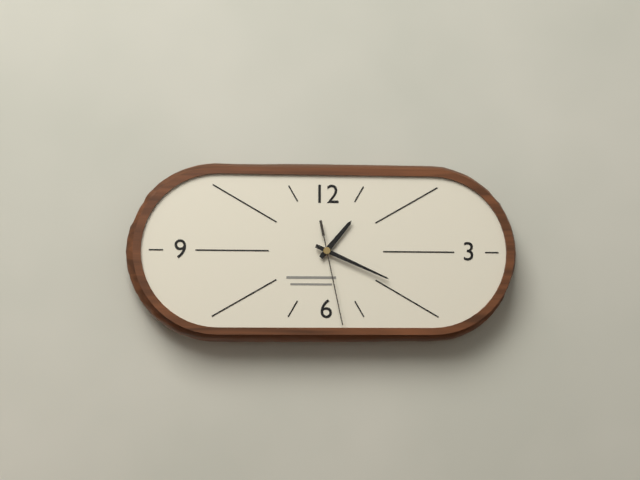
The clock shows 1:19:28
